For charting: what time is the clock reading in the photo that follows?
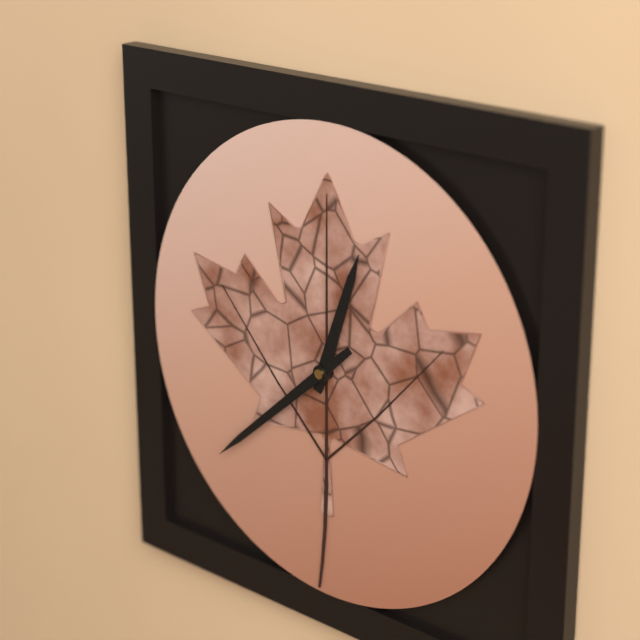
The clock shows 12:38
